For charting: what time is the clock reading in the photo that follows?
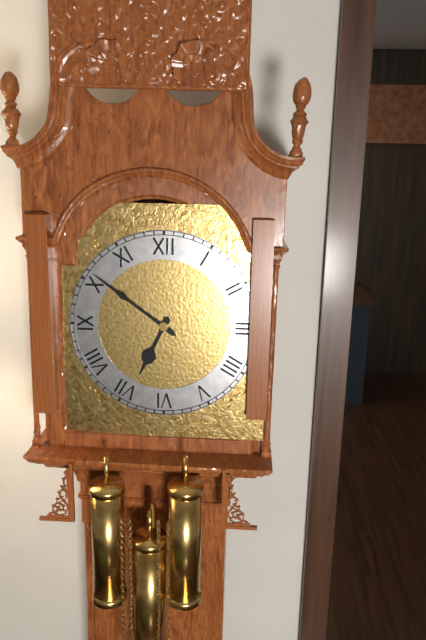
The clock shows 6:51
